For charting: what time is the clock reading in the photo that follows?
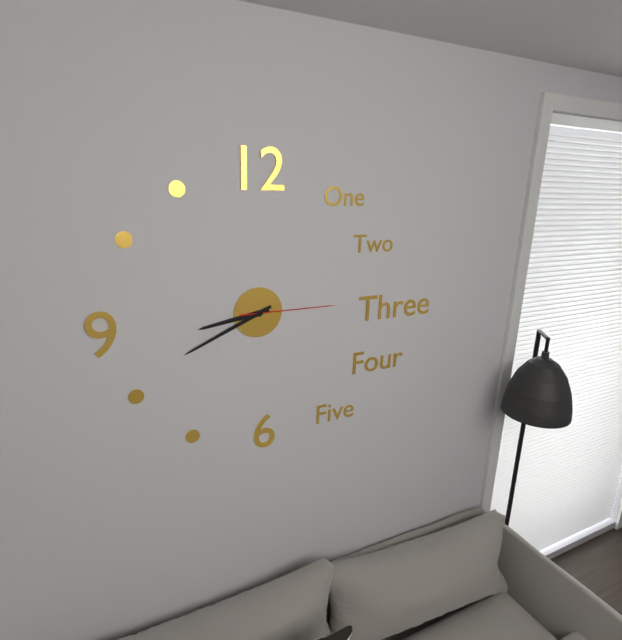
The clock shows 8:41:15
